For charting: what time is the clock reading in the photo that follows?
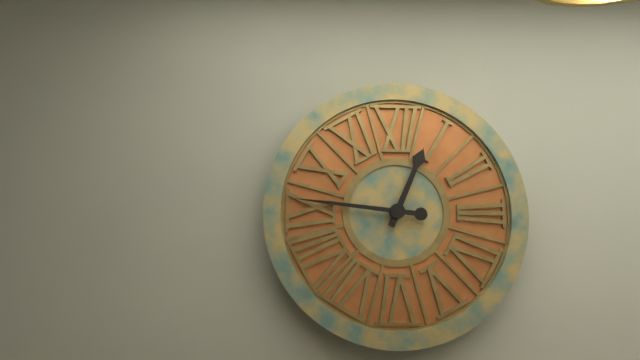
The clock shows 12:46
